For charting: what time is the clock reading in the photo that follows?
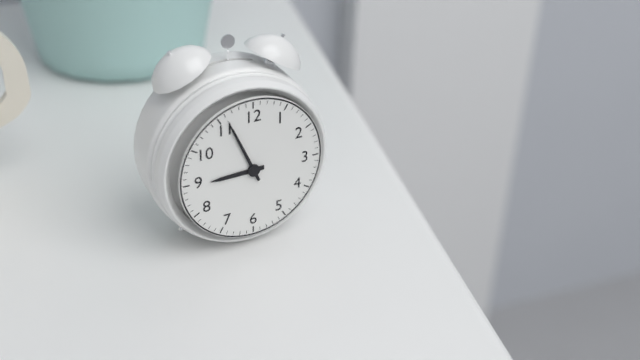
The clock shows 8:56
